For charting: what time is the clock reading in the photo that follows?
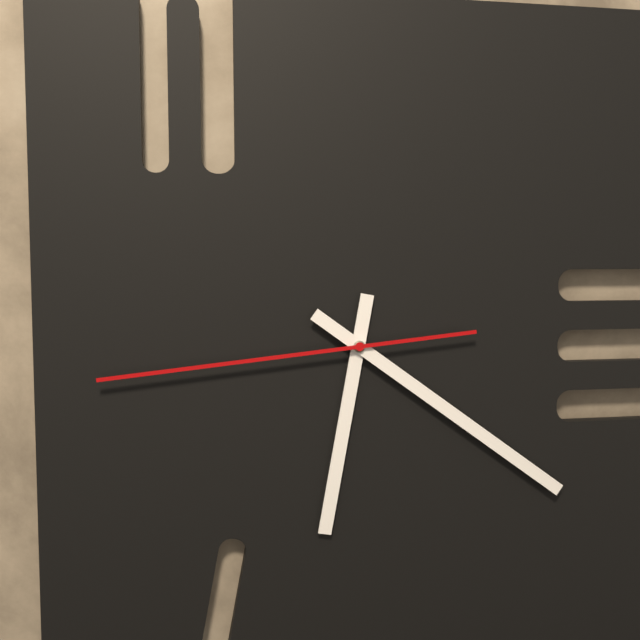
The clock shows 6:21:44
